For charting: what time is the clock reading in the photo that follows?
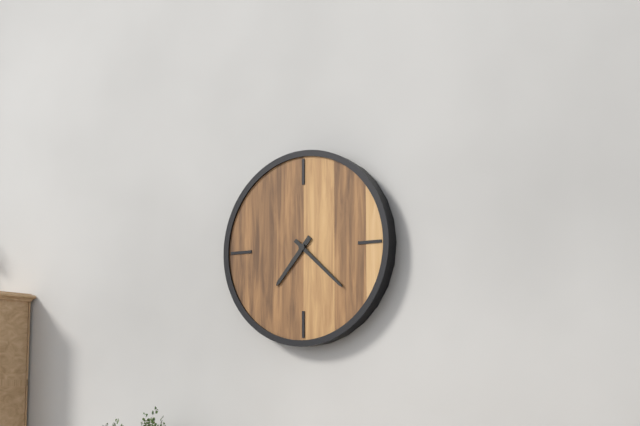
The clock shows 7:22
